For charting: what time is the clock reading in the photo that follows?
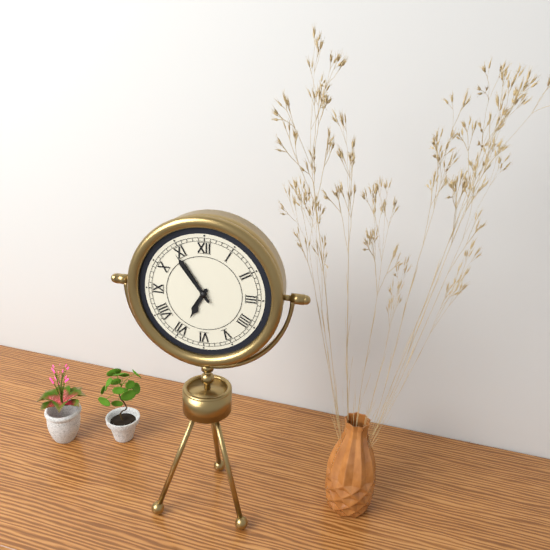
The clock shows 6:54
